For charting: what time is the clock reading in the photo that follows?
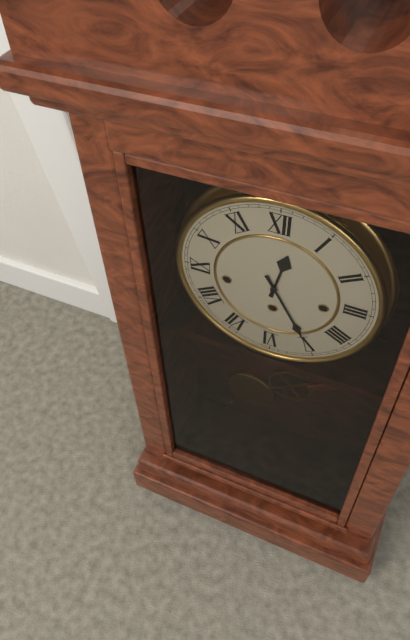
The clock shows 12:25
